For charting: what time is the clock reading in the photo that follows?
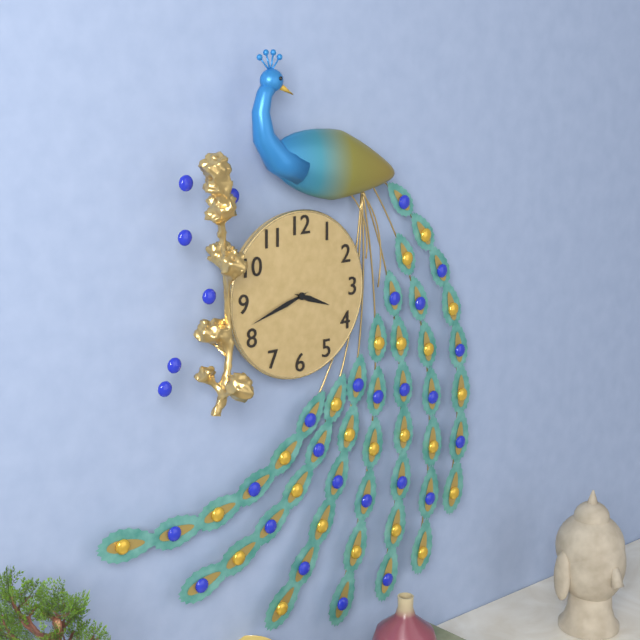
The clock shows 3:42
